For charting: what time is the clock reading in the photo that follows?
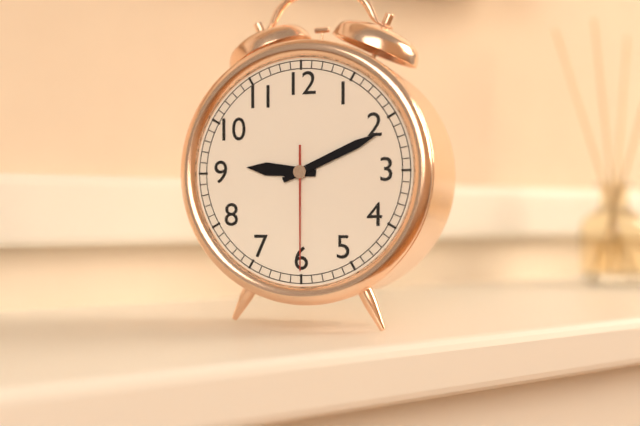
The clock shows 9:11:30
